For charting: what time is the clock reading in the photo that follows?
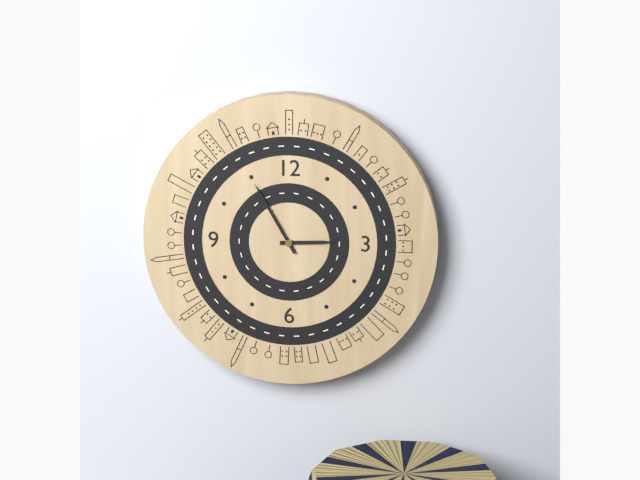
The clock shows 2:55
